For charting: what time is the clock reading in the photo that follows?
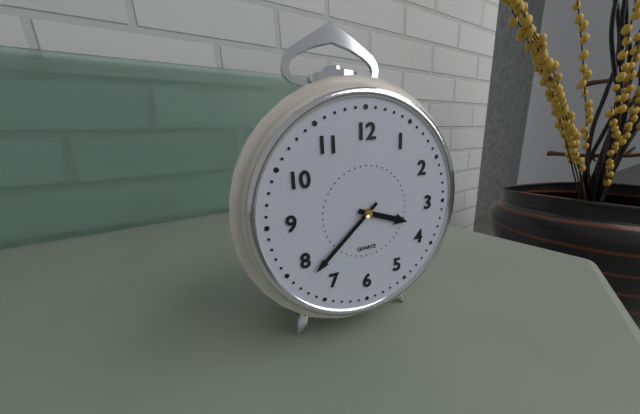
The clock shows 3:38
